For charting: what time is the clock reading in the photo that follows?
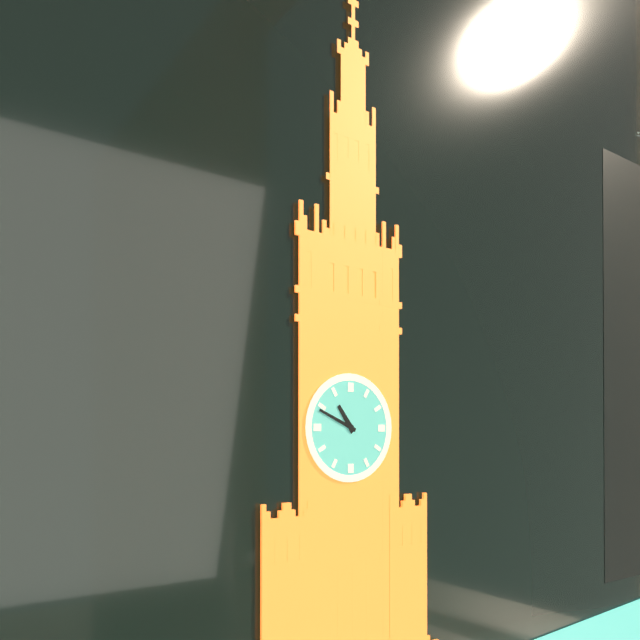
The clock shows 10:49
